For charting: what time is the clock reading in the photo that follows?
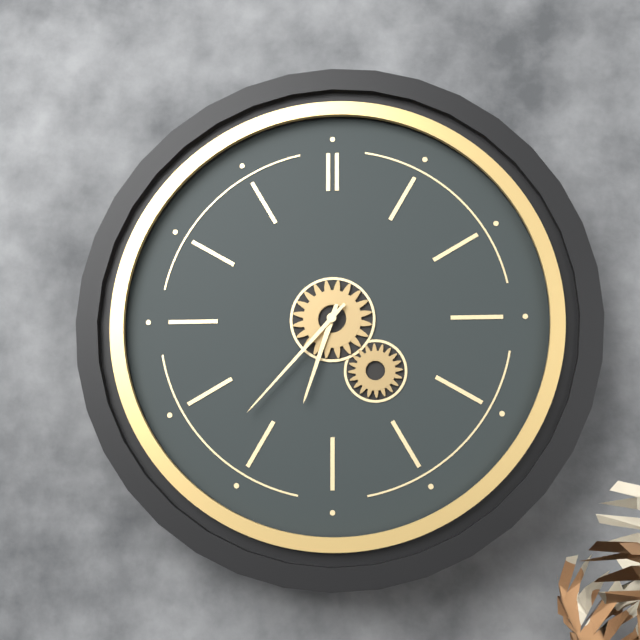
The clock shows 6:37
